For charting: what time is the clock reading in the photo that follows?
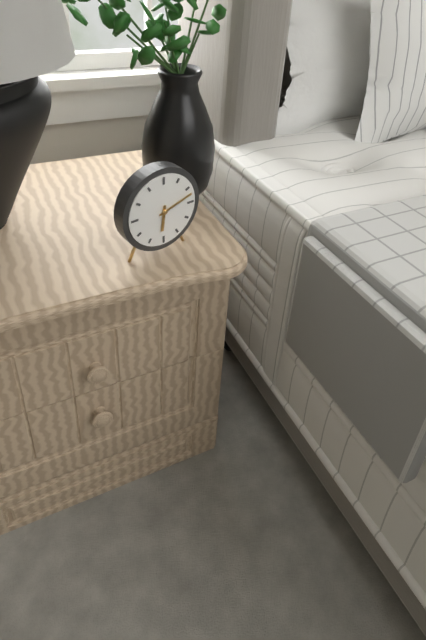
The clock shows 6:12
